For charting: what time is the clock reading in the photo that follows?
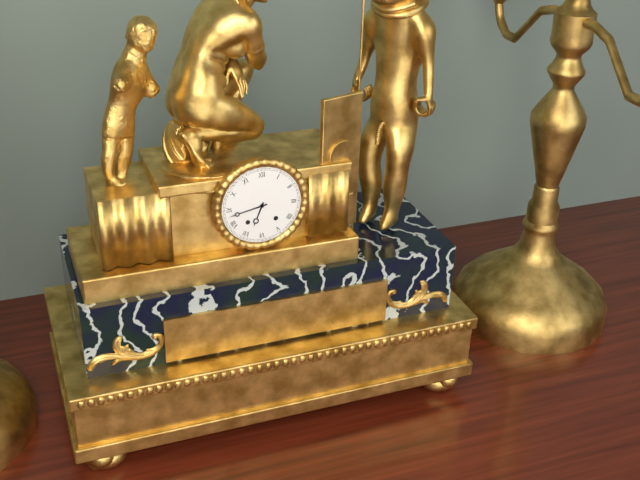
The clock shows 6:43
